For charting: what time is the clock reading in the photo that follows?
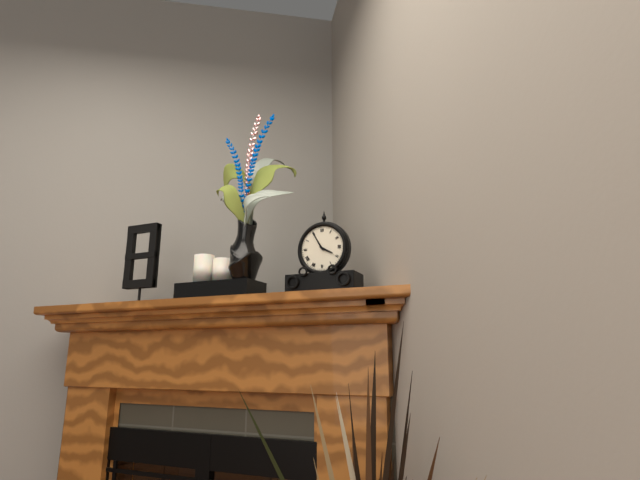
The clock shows 3:55
